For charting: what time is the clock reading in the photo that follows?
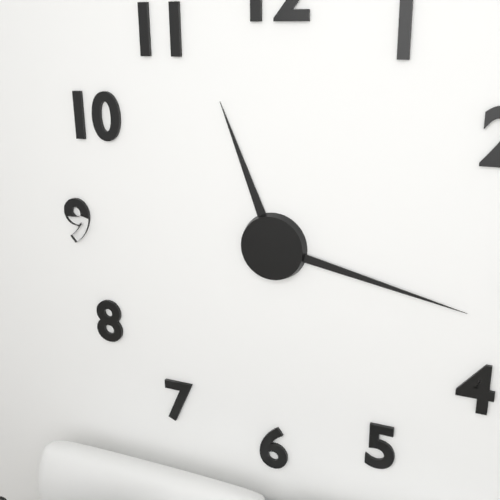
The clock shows 11:17
